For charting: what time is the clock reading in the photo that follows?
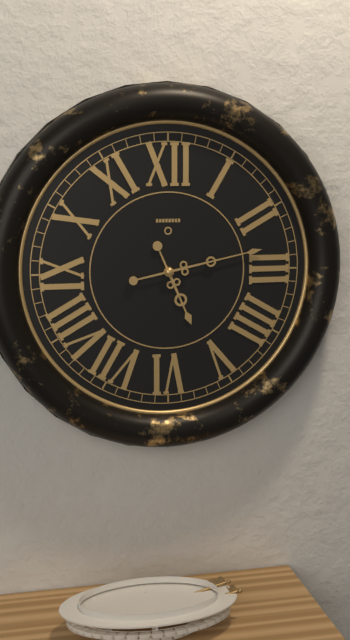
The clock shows 5:13
